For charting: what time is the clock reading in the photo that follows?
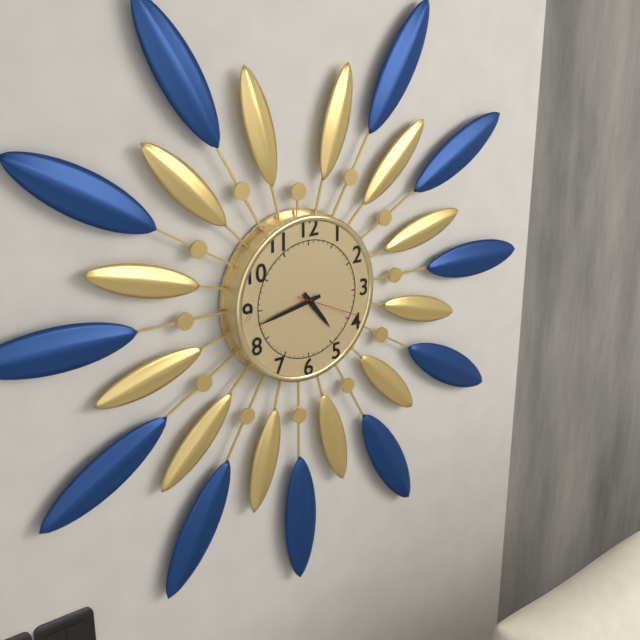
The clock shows 4:43:19
